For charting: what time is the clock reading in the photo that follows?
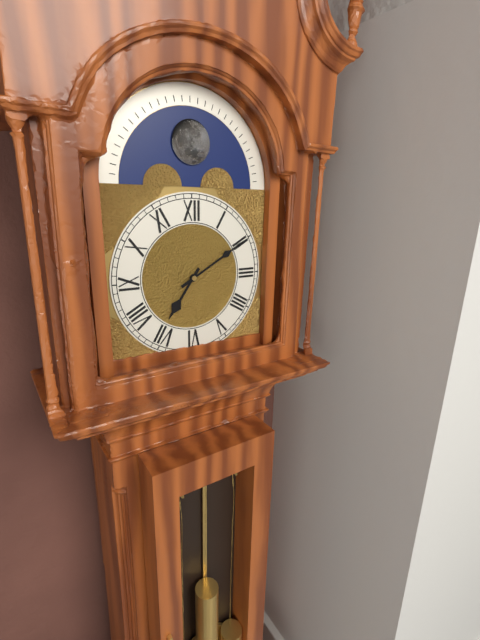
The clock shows 7:10
